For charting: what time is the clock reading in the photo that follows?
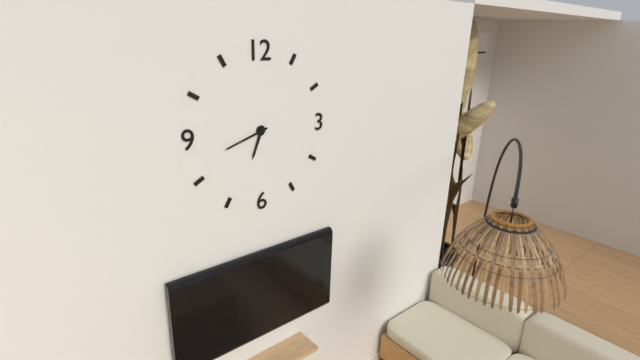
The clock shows 6:42
